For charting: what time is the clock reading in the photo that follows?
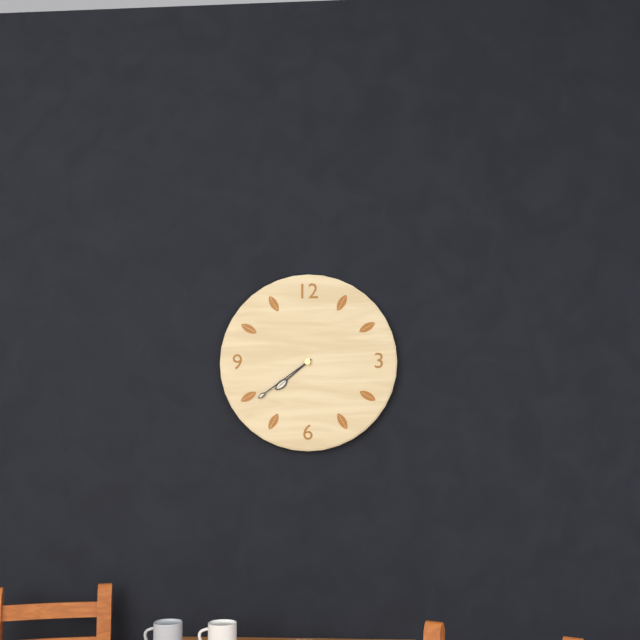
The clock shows 7:39
